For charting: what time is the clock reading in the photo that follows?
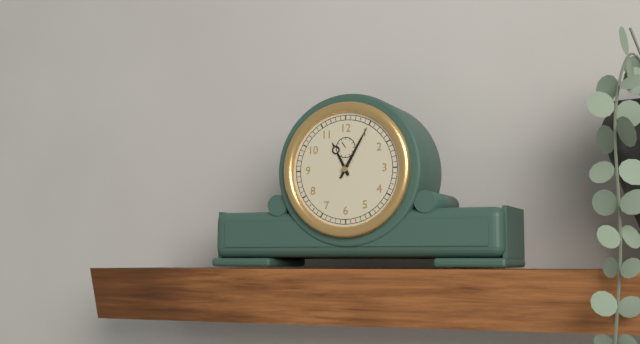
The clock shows 11:05
